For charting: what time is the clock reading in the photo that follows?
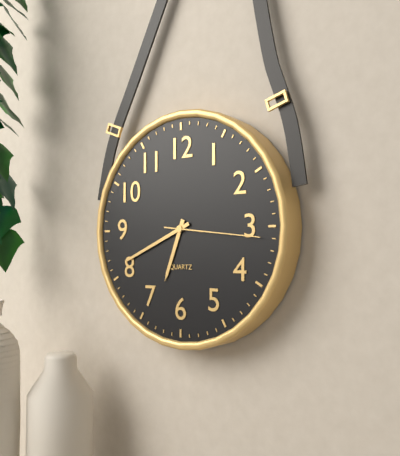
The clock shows 6:41:16
